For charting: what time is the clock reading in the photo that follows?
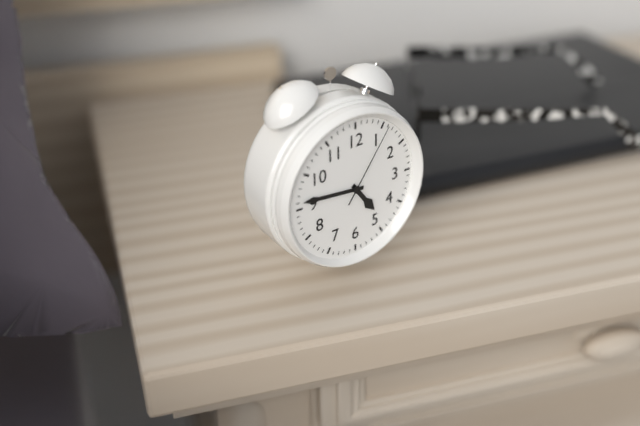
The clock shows 4:46:06
